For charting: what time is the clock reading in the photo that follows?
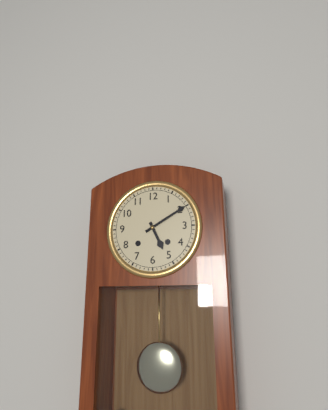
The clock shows 5:10
